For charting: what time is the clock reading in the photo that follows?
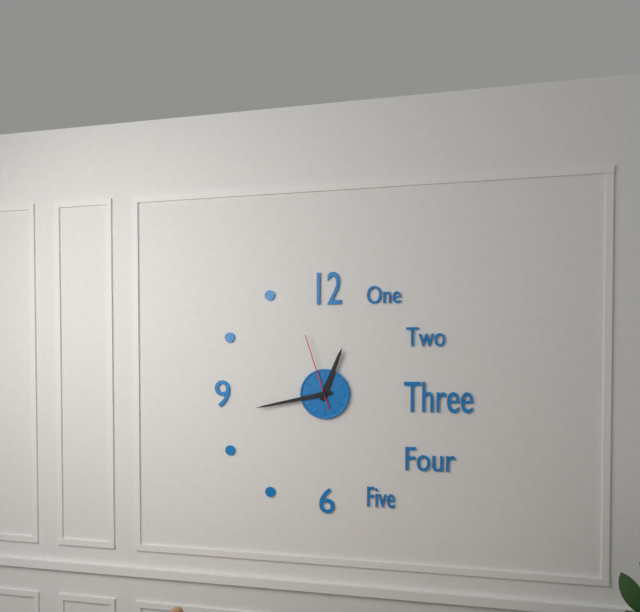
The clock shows 12:43:57
